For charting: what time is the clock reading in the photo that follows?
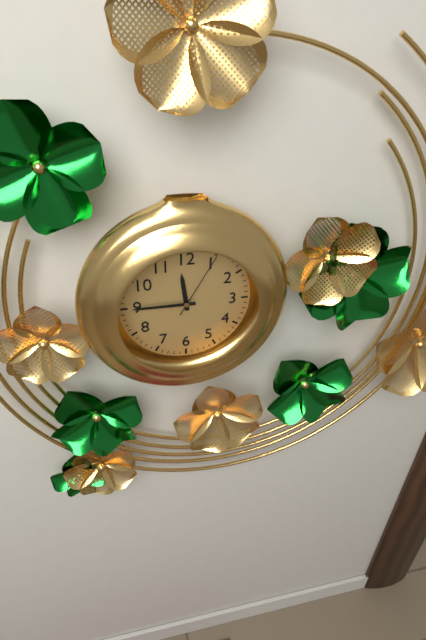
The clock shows 11:45:05
